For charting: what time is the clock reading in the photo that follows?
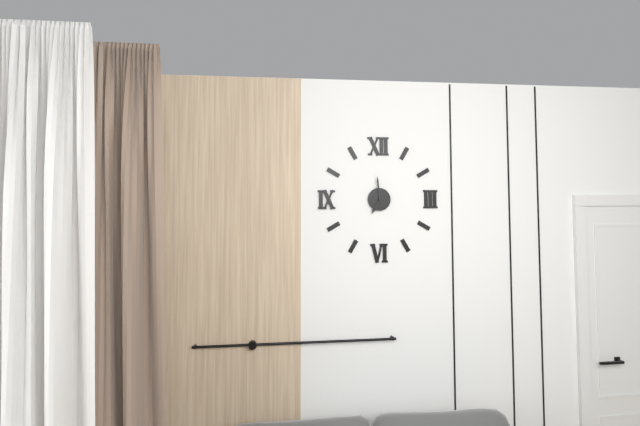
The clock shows 6:59
